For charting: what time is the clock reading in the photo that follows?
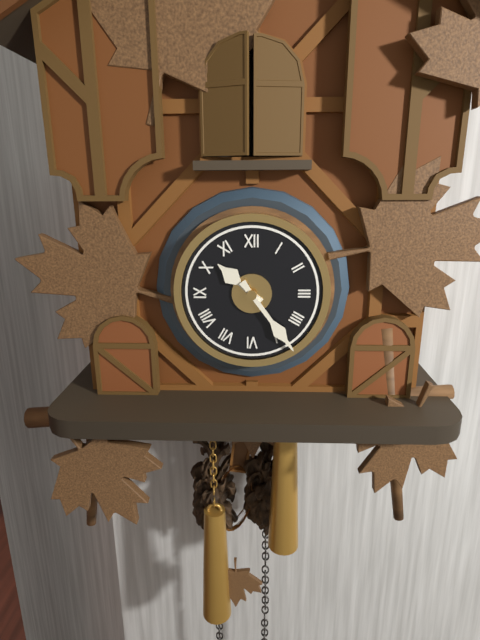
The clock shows 10:24
